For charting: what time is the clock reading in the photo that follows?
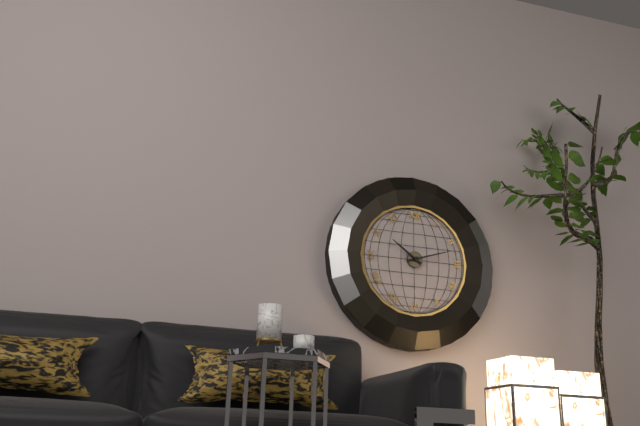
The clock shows 10:12
